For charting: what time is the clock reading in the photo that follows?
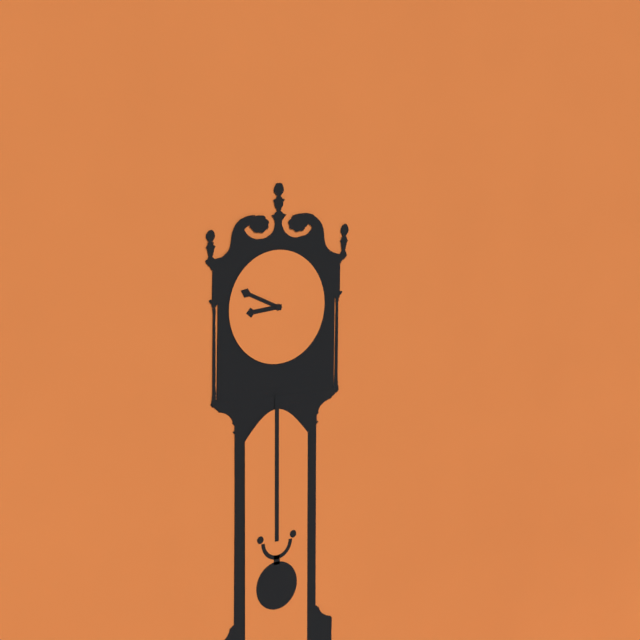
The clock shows 8:49
